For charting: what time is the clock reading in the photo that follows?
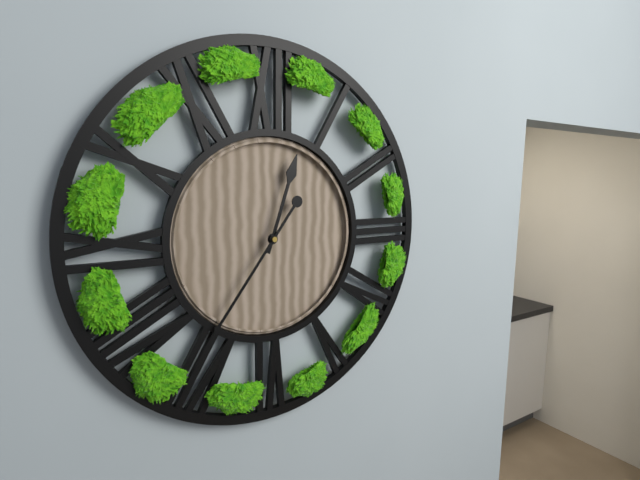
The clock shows 12:36
